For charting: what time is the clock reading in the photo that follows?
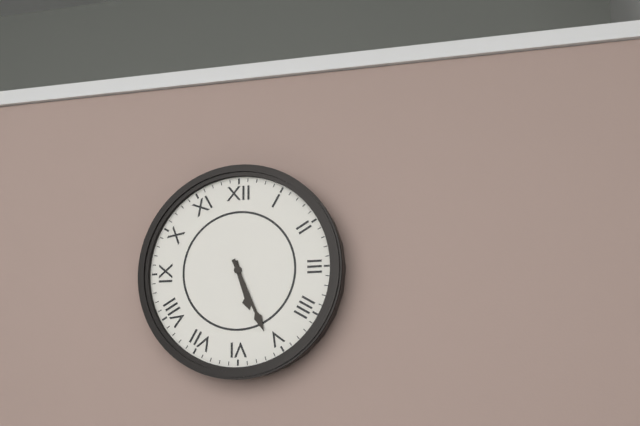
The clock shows 5:26
